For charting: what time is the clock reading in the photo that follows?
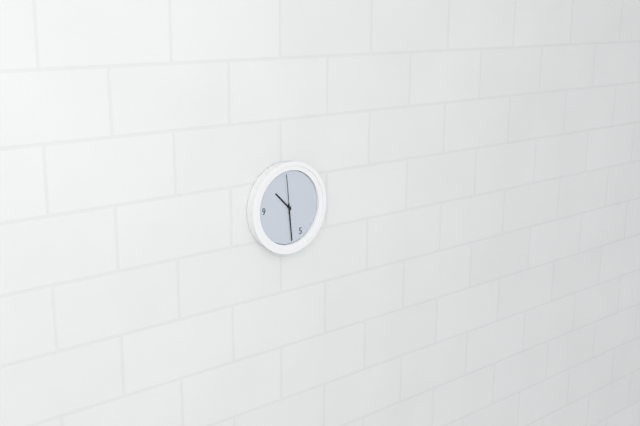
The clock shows 10:29
